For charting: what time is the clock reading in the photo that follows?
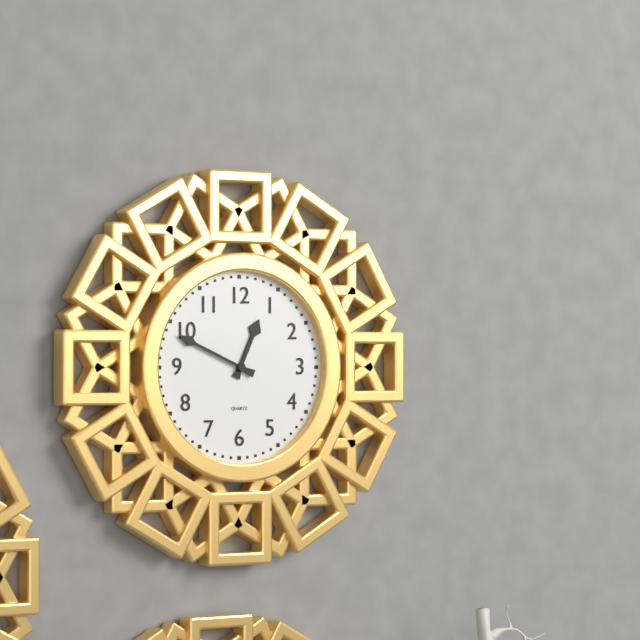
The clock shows 12:49
